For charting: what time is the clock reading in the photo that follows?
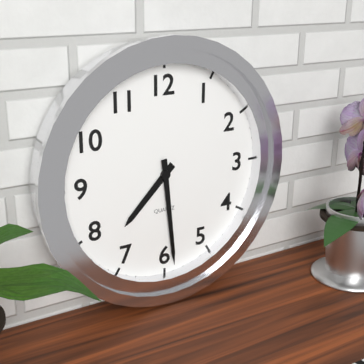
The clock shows 7:29
